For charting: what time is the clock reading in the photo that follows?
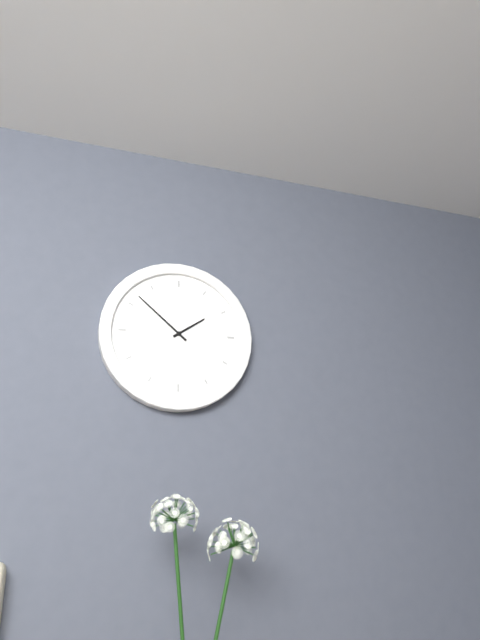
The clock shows 1:52
